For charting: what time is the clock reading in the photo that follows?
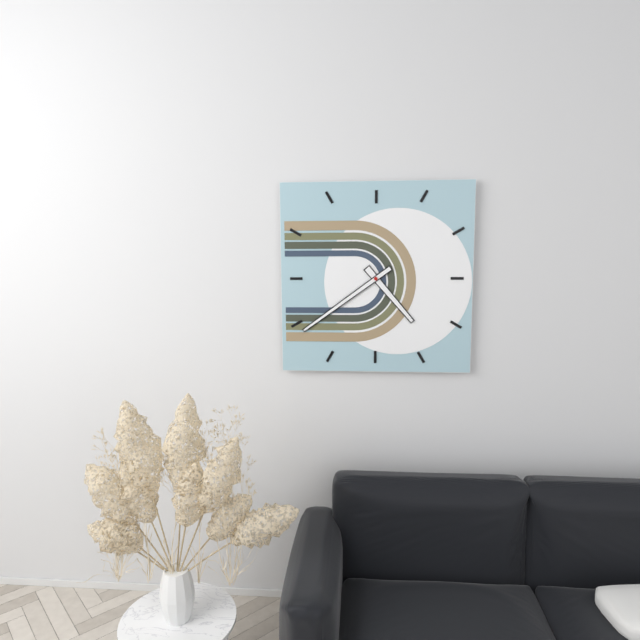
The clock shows 4:39
